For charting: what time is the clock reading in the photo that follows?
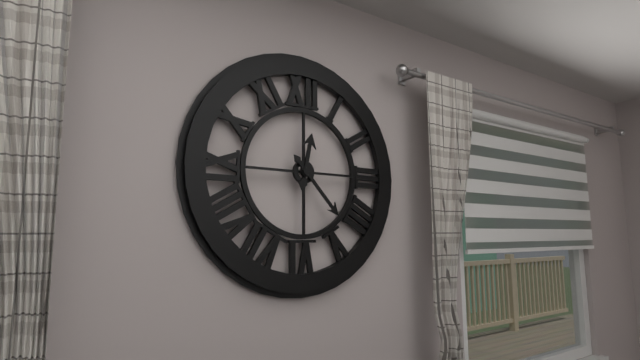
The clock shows 12:23
